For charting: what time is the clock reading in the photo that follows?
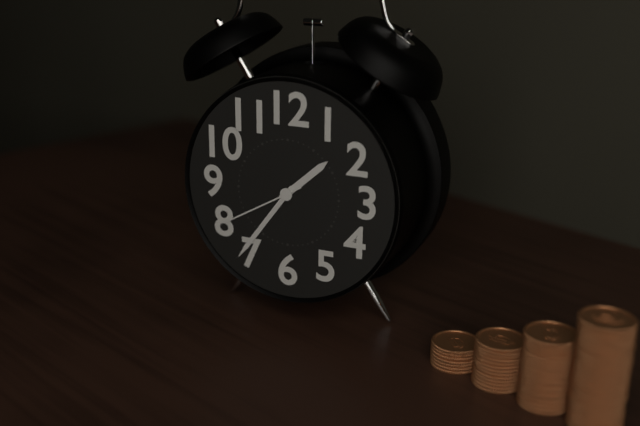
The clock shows 1:36:40
